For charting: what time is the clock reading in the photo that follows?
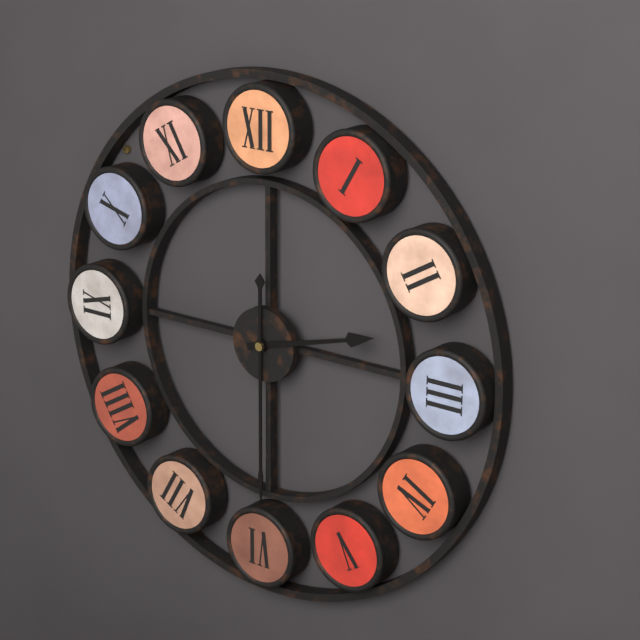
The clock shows 2:30
